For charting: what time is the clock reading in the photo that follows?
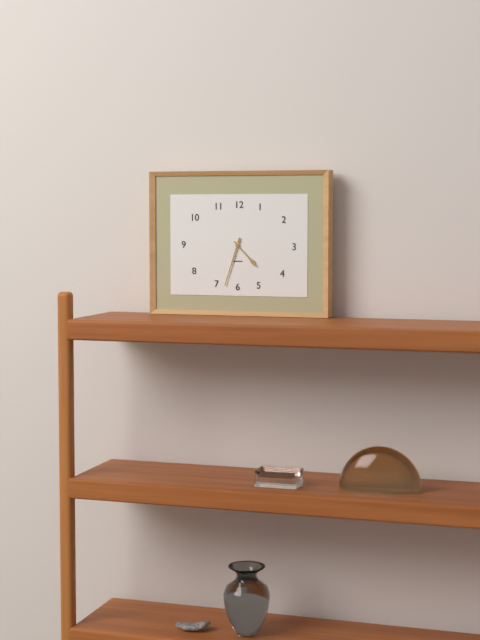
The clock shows 4:33
